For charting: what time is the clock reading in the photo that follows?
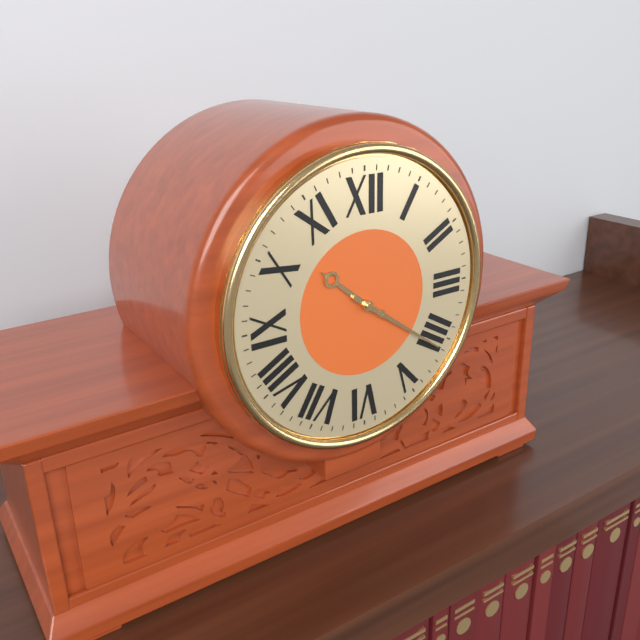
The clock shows 10:21
